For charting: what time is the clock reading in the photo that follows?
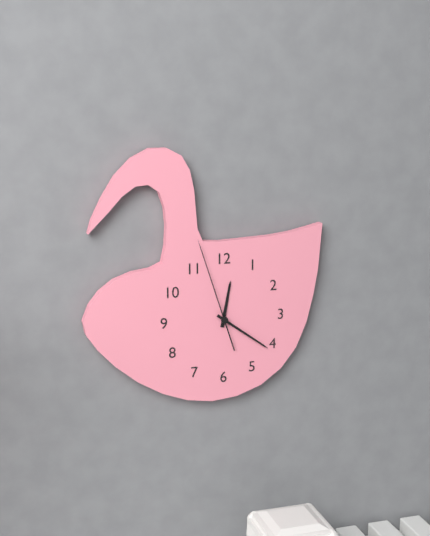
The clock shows 12:21:57
